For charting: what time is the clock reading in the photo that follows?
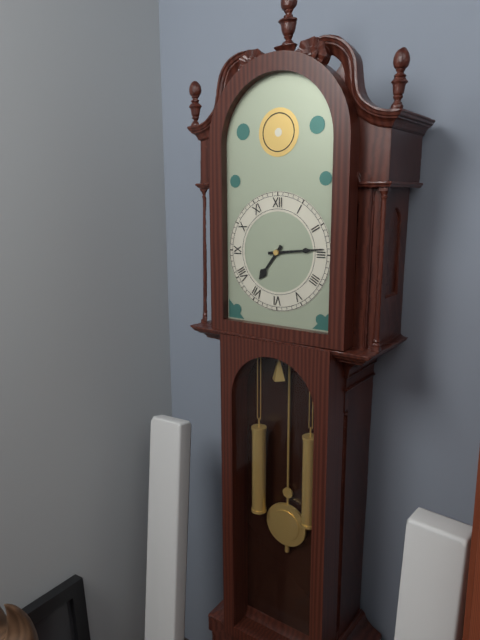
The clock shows 7:14
